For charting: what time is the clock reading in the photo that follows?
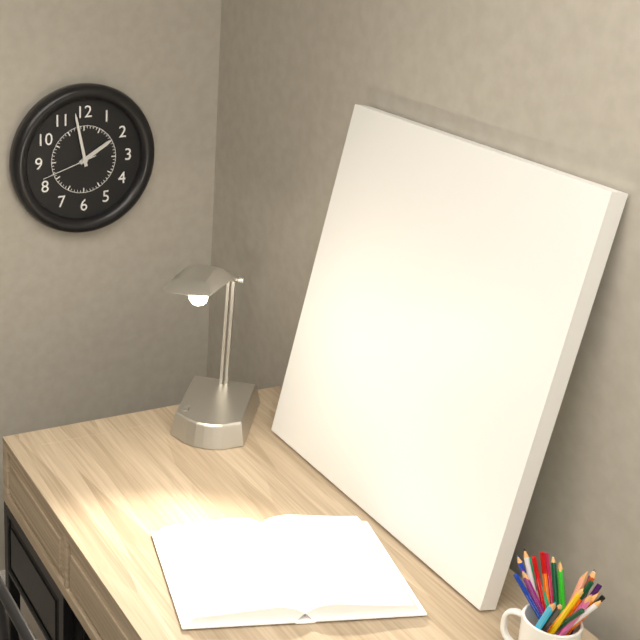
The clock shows 1:58:42
